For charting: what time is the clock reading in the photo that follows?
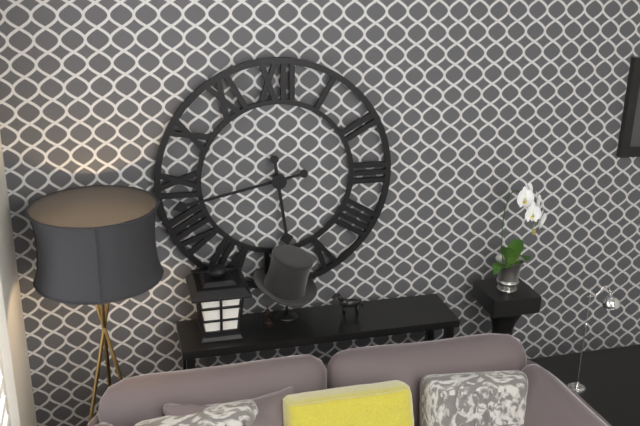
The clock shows 5:43
